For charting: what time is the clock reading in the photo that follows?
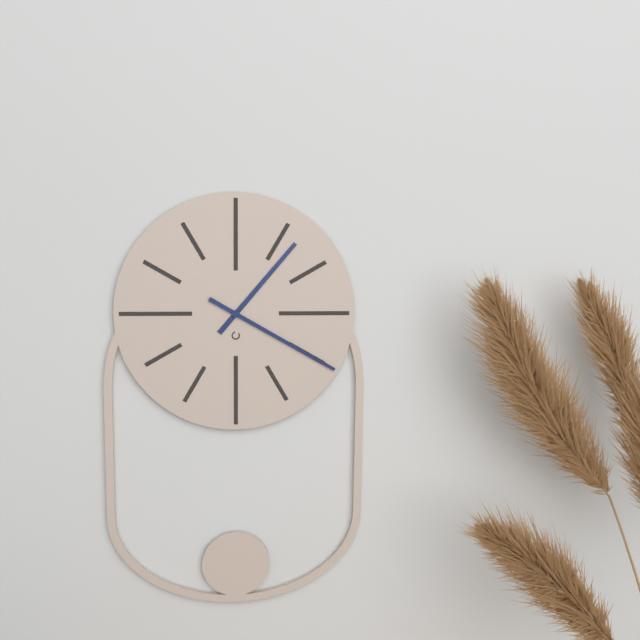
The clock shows 1:20
